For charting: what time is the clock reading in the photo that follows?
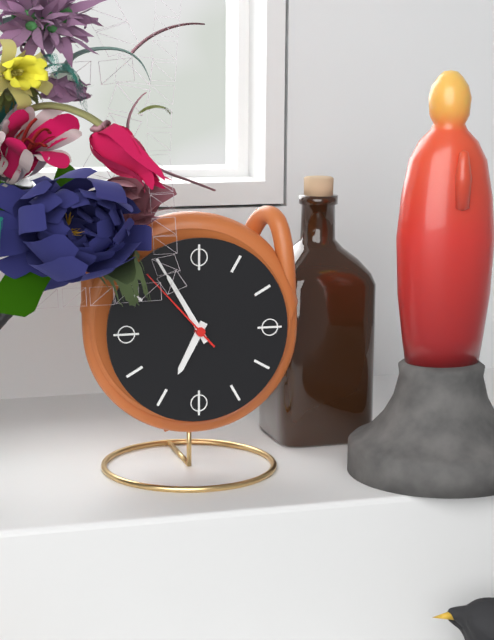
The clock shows 6:55:53
